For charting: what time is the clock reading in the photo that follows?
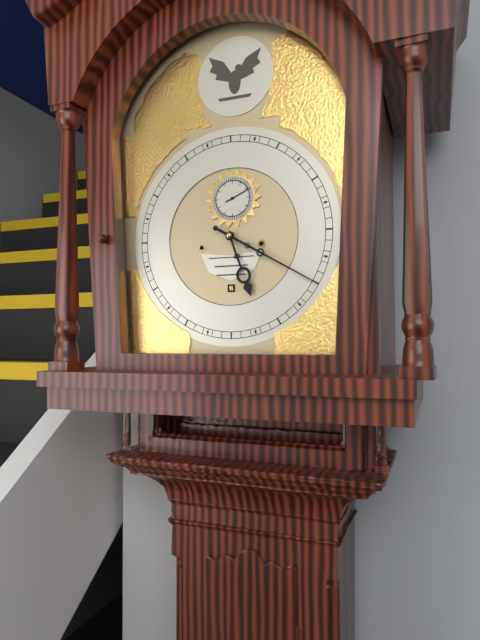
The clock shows 5:20
